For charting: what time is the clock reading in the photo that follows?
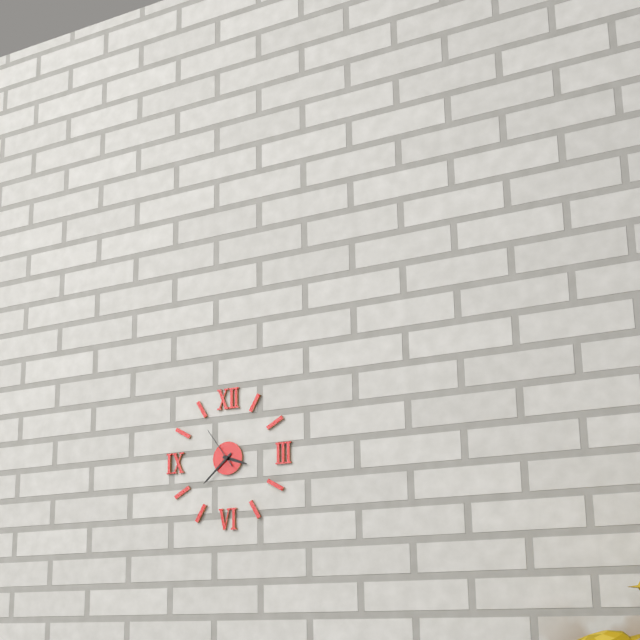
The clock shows 3:38
